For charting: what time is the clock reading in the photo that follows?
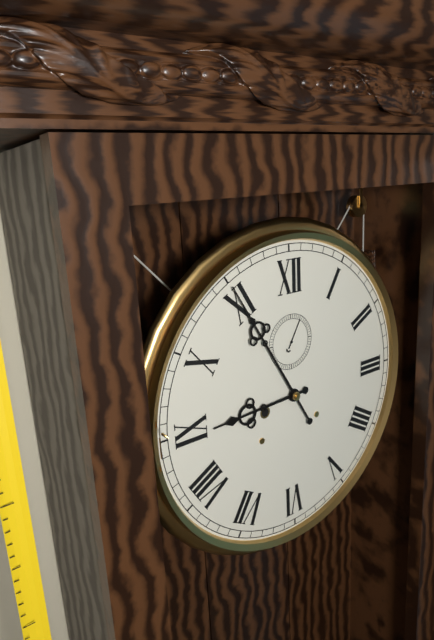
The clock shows 8:55
